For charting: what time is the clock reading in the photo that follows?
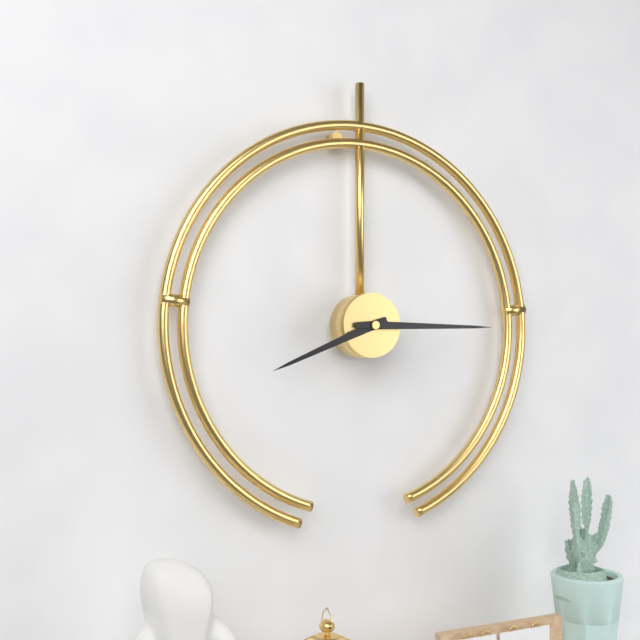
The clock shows 8:15
